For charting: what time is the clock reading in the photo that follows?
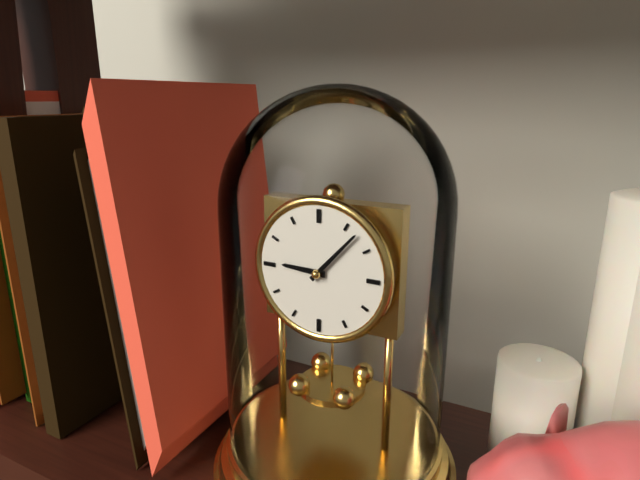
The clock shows 9:07
